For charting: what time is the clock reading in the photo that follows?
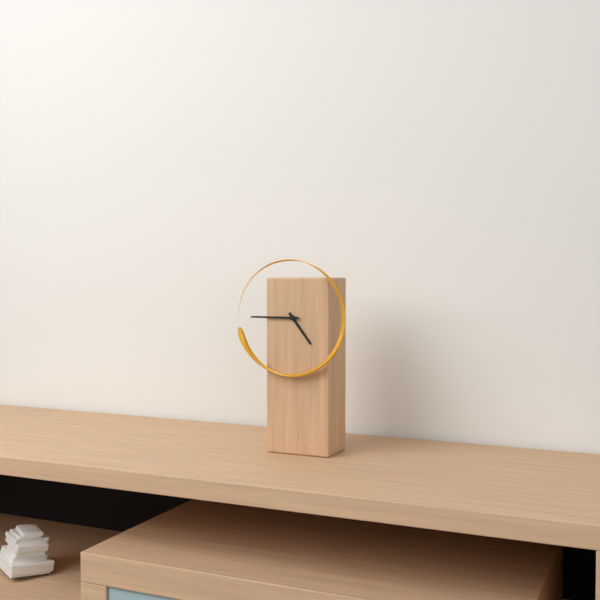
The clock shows 4:45
